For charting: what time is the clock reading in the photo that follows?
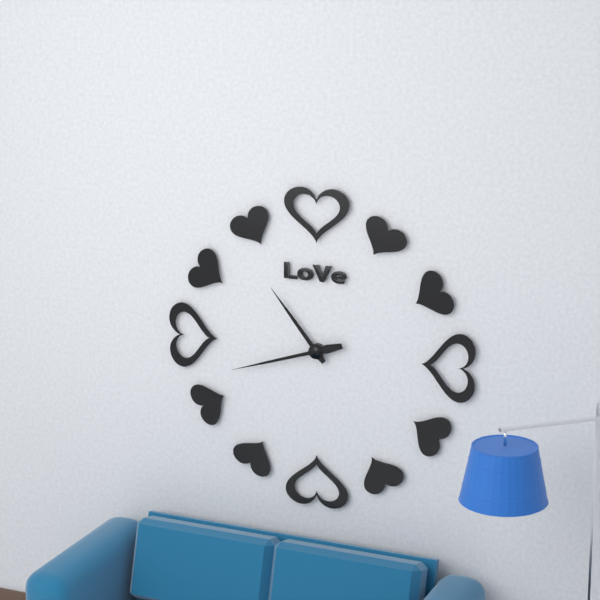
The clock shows 10:42
